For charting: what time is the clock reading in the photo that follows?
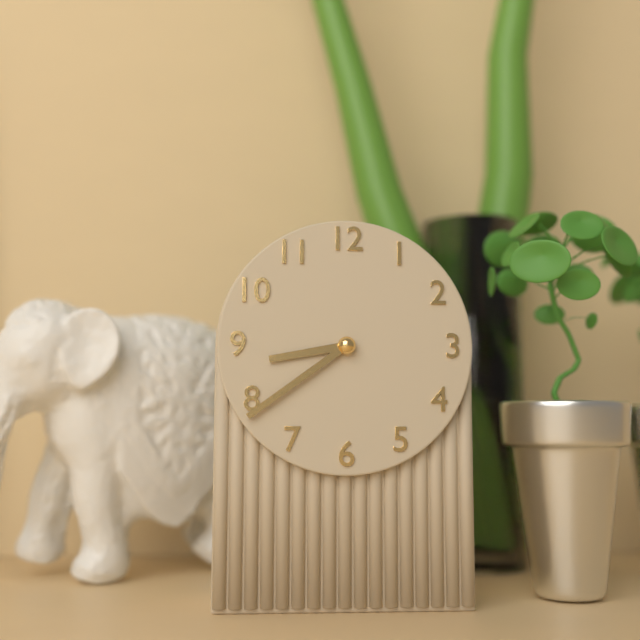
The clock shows 8:39
